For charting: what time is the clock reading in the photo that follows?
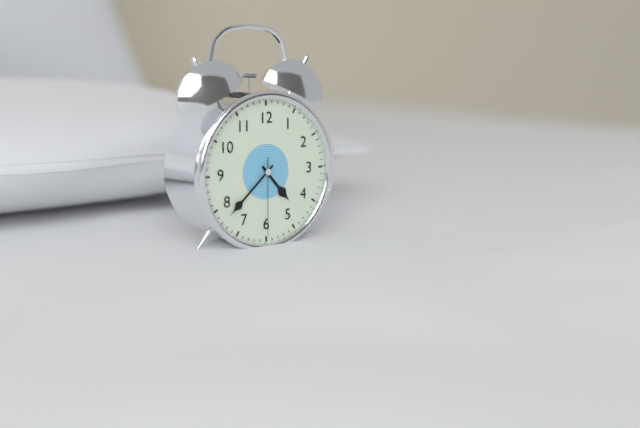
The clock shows 4:38:30
